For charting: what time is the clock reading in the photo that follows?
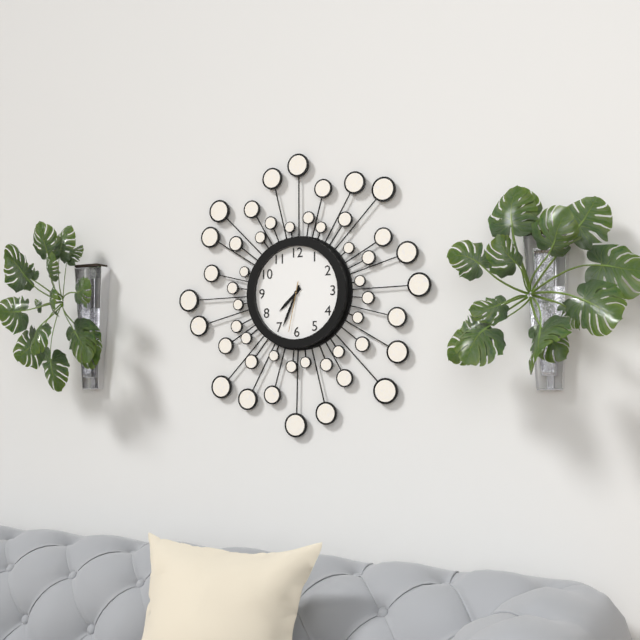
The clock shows 7:34
